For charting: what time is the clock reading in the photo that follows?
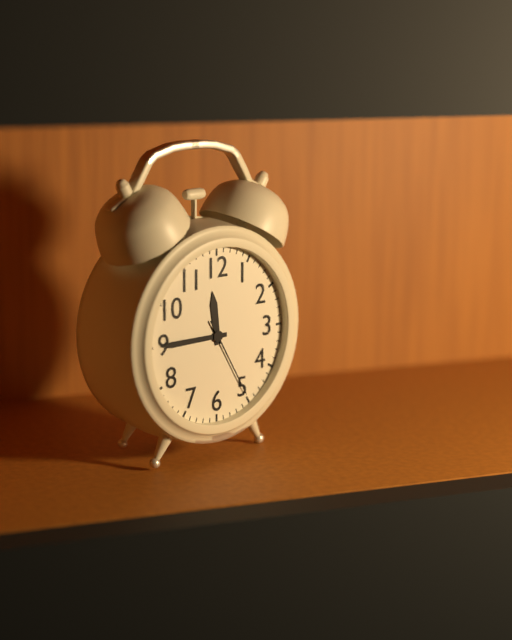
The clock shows 11:45:25
